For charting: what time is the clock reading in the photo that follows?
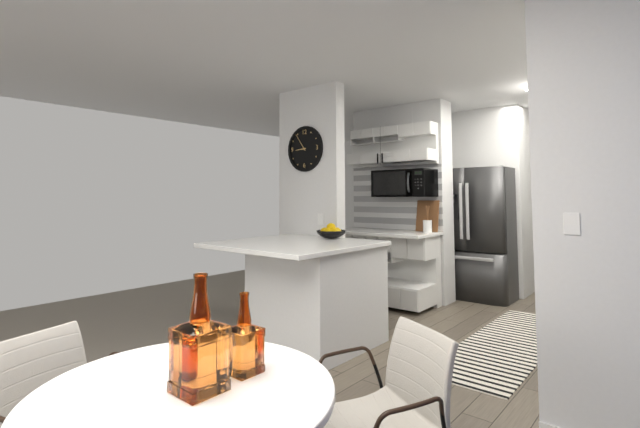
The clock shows 8:54
